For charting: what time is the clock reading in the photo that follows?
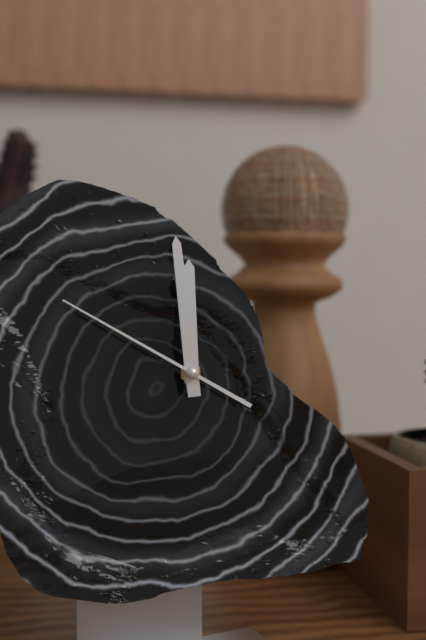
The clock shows 11:59:50
